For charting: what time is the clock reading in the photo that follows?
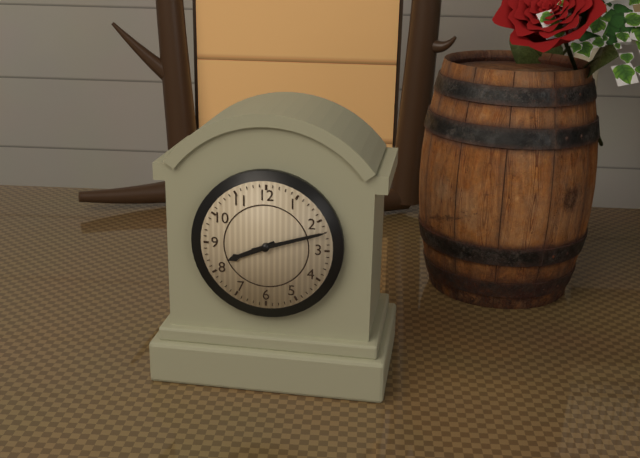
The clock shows 8:12
